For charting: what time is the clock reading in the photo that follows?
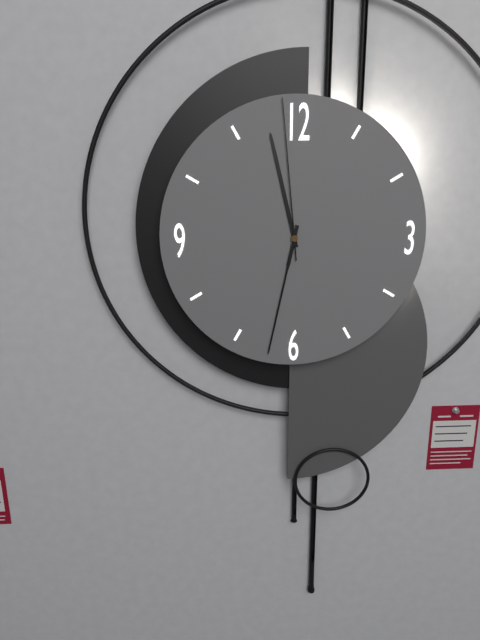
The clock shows 11:32:59
